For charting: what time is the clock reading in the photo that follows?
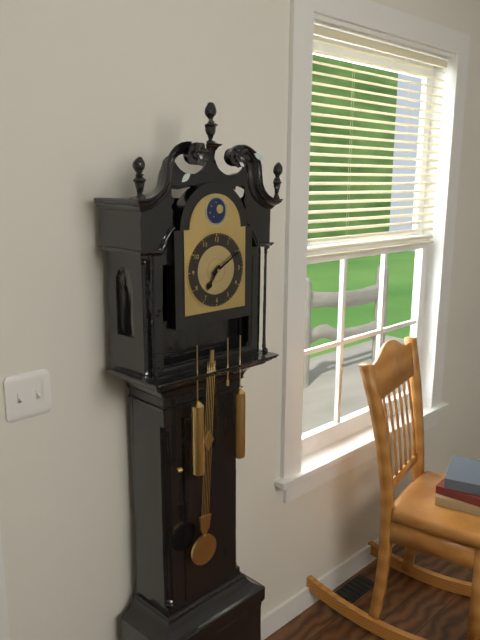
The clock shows 7:10
